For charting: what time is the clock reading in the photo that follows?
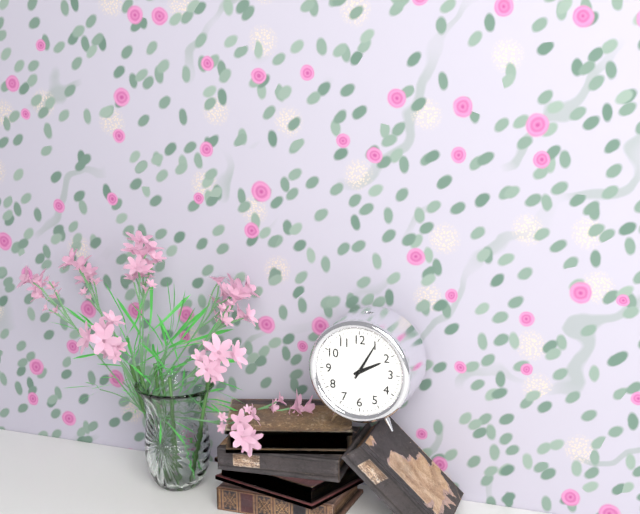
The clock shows 2:05
